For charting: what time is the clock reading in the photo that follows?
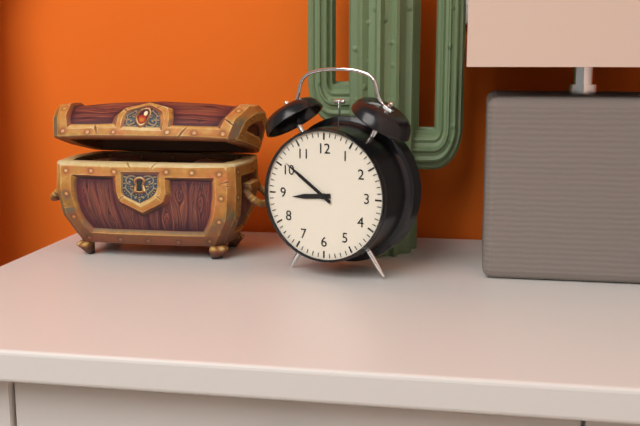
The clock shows 8:51
